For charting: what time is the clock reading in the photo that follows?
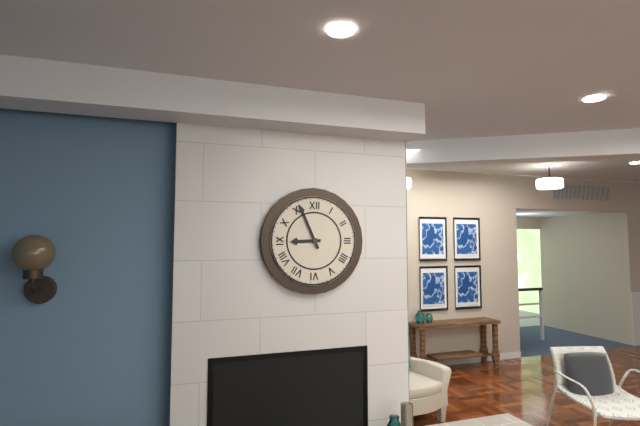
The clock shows 8:56
